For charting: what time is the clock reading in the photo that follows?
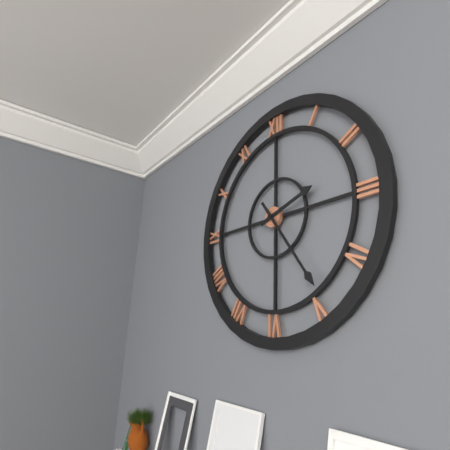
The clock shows 2:24
